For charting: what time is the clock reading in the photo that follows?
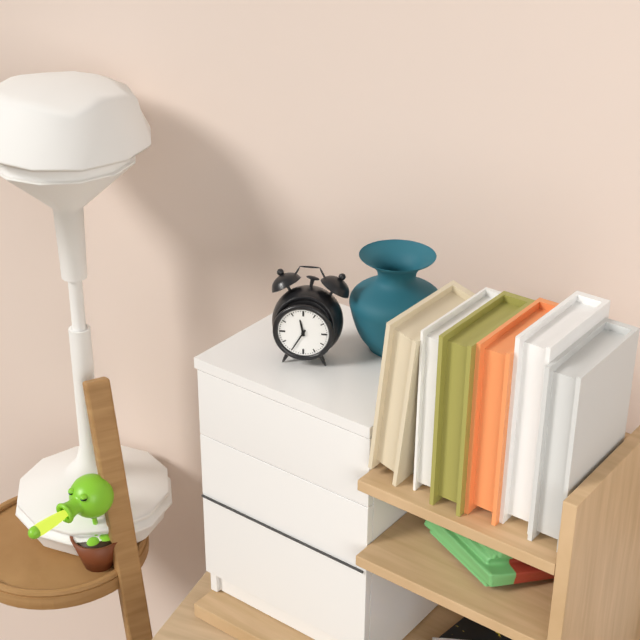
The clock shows 11:35
